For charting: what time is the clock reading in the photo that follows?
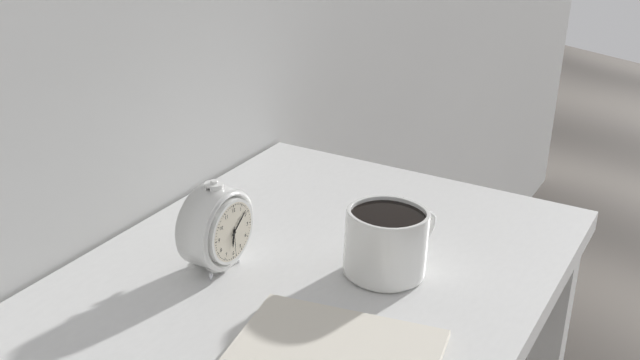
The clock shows 6:08
